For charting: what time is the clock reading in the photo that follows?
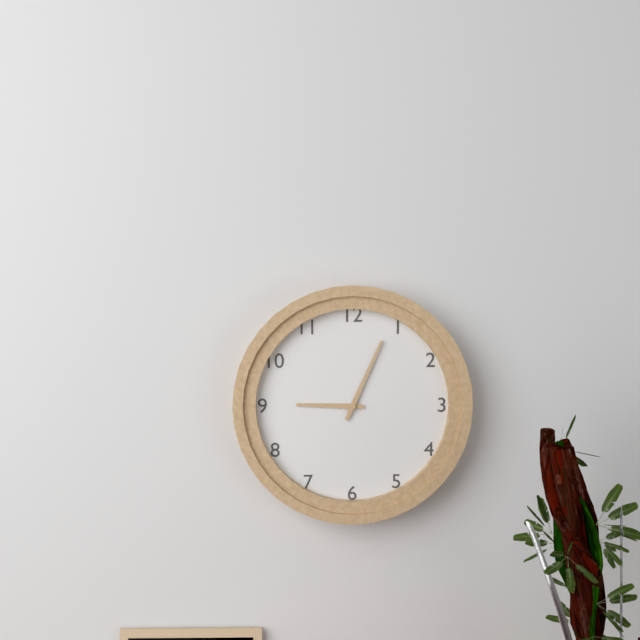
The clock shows 9:04
